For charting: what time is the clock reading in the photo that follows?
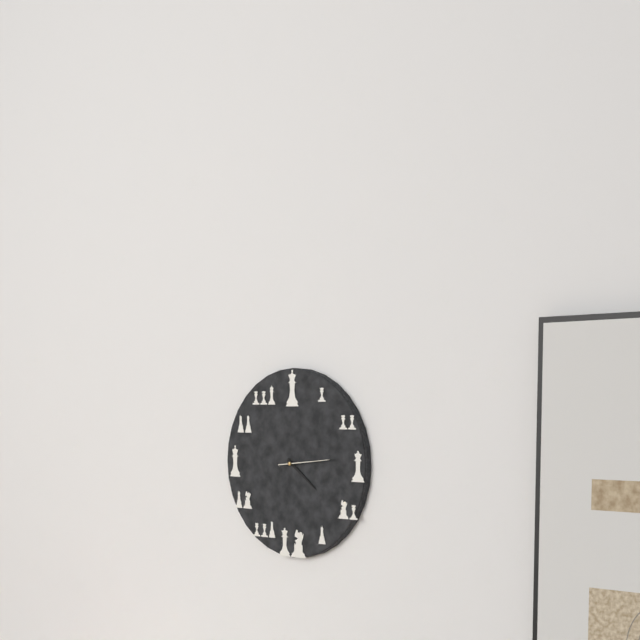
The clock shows 4:14:14
